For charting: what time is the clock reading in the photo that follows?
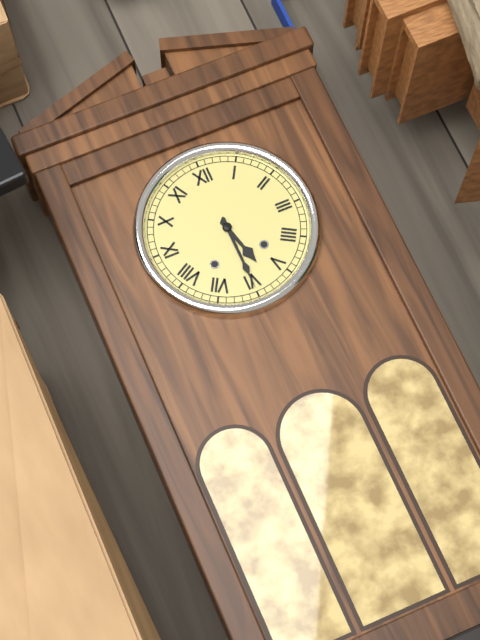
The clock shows 5:30
